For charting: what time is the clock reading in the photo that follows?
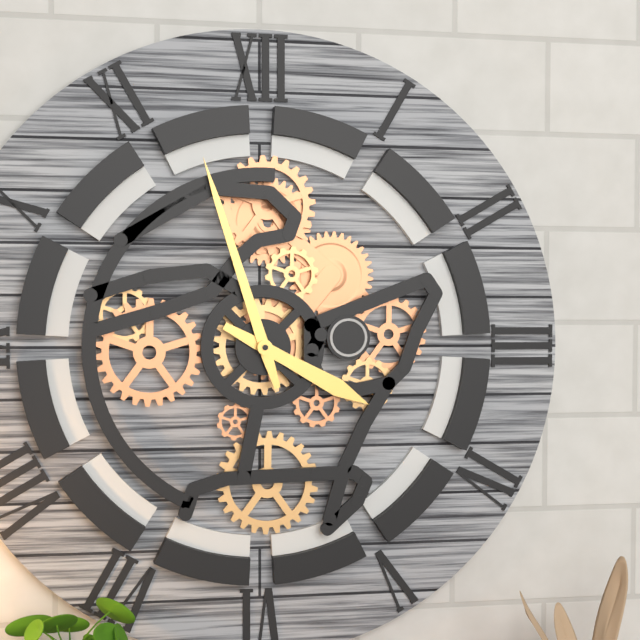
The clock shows 3:57
